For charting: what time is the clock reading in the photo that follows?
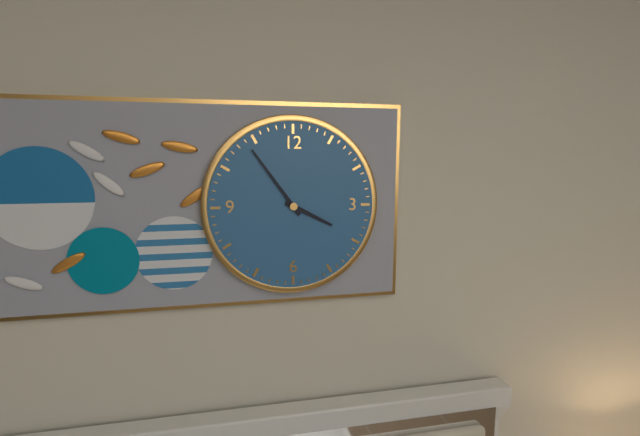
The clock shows 3:54
